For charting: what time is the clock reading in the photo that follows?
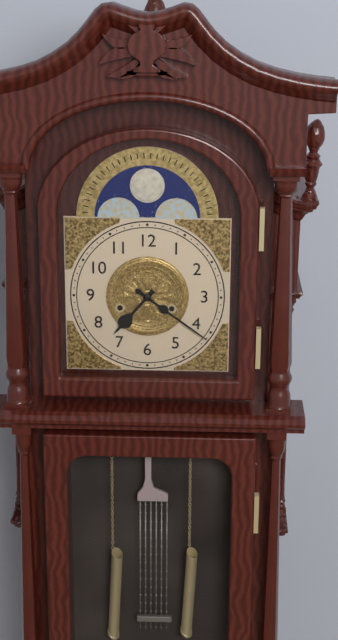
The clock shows 7:21
